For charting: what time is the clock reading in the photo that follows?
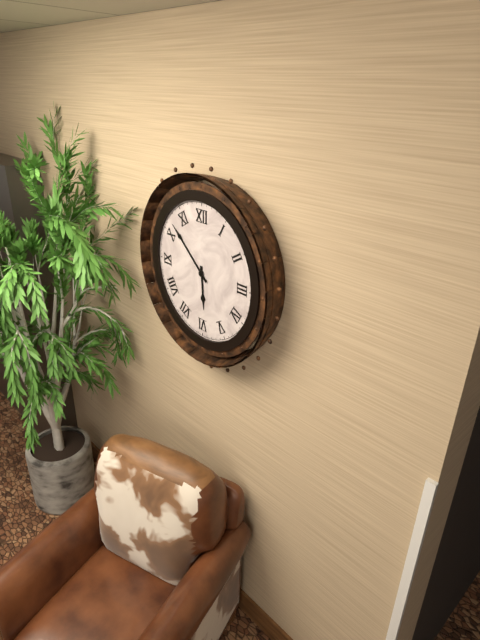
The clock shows 5:52
